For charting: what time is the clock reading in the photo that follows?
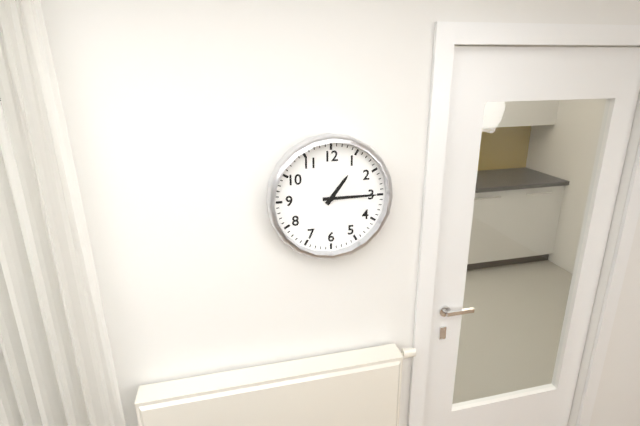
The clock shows 1:15
